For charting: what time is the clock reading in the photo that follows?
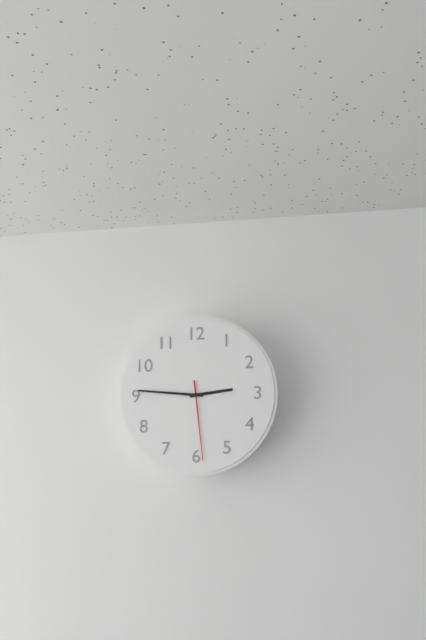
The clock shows 2:46:29
